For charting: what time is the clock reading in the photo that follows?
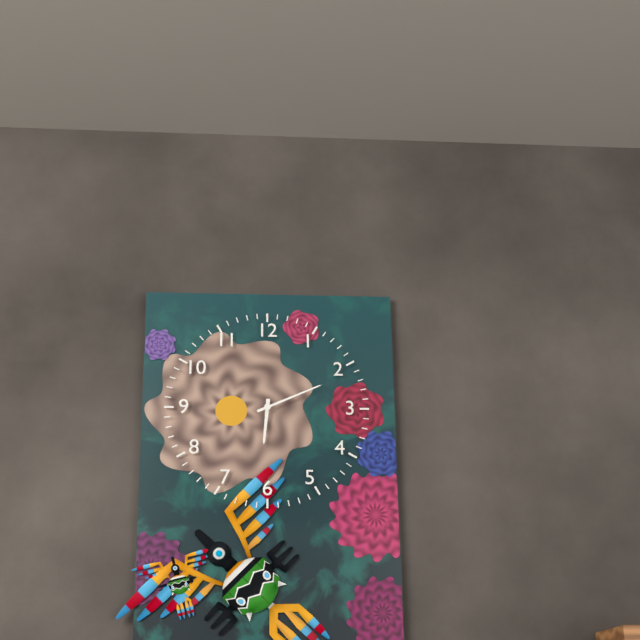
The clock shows 6:11
